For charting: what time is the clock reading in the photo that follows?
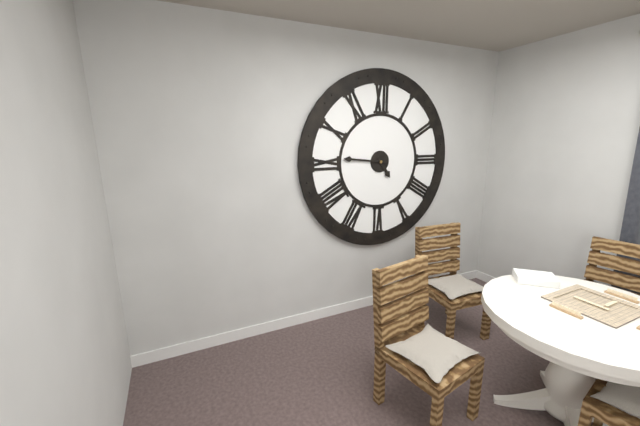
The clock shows 4:46
